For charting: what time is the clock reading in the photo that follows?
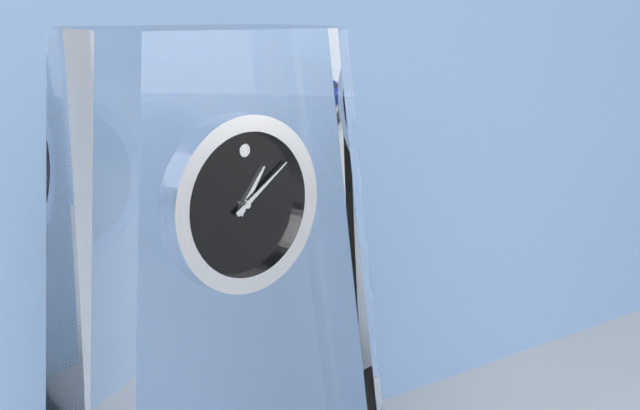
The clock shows 1:09
